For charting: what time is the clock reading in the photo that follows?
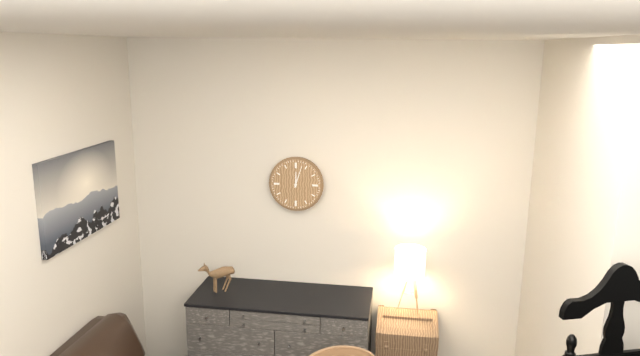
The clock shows 12:03
